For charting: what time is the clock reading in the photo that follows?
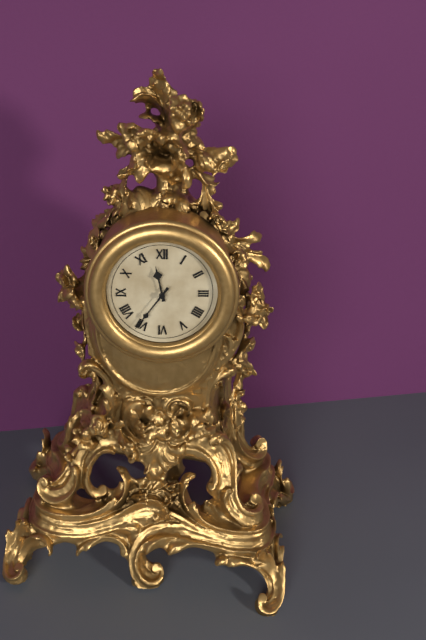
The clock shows 11:36
